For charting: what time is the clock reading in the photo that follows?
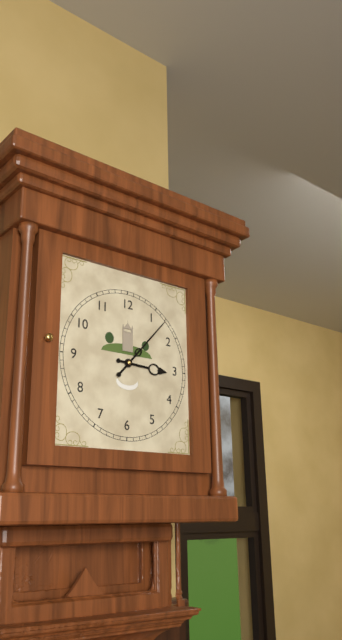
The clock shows 3:07
